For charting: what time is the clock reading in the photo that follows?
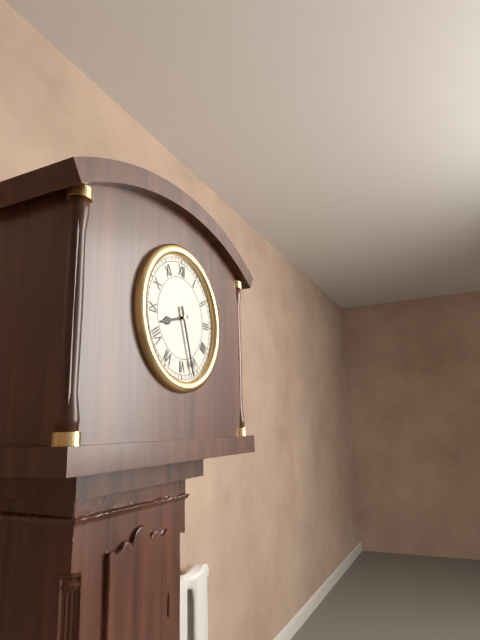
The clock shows 8:27
